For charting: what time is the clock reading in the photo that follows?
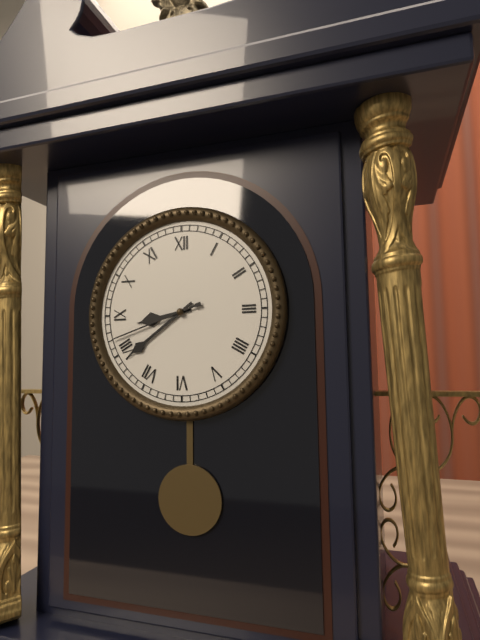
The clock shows 8:39:42
